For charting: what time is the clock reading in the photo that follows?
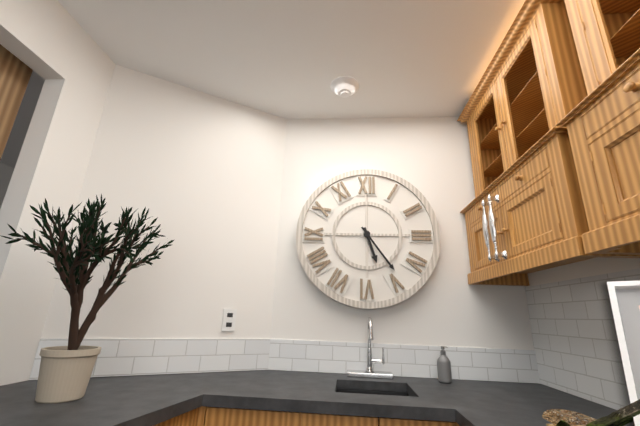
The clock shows 5:24
